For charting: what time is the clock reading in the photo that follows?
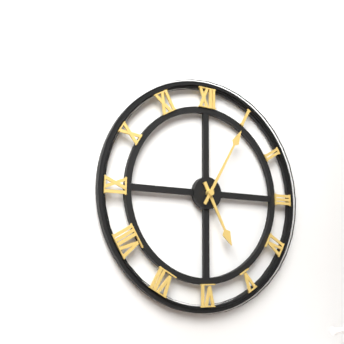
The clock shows 5:05
